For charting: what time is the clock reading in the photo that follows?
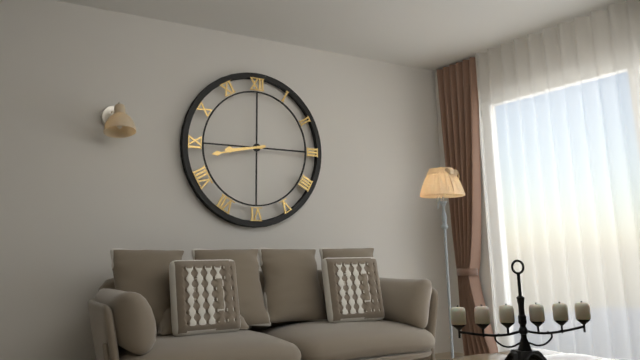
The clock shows 8:43
